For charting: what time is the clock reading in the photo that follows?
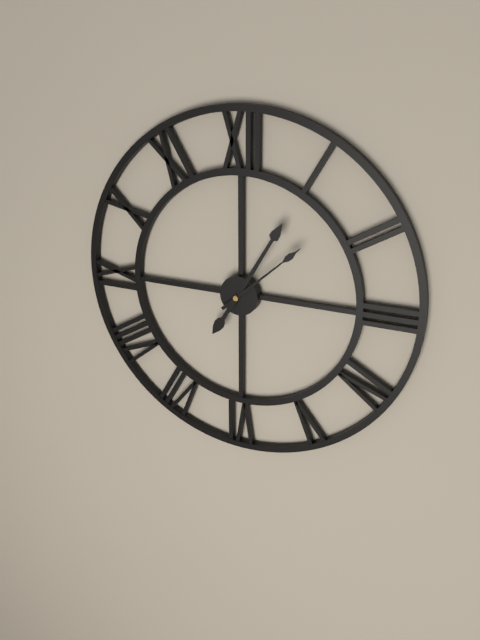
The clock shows 7:05:08
